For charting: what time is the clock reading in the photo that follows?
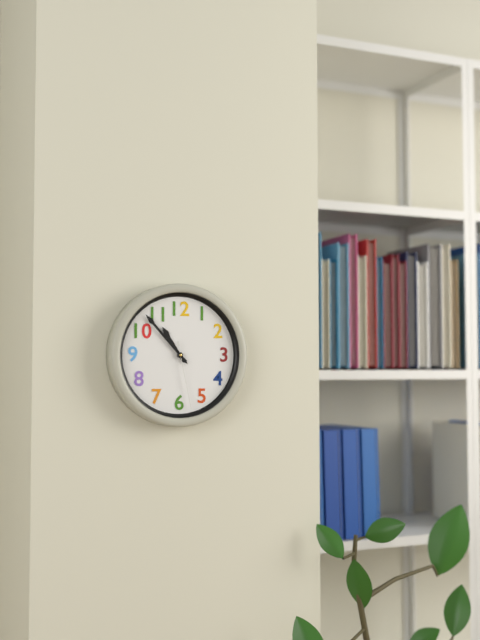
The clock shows 10:53:28
